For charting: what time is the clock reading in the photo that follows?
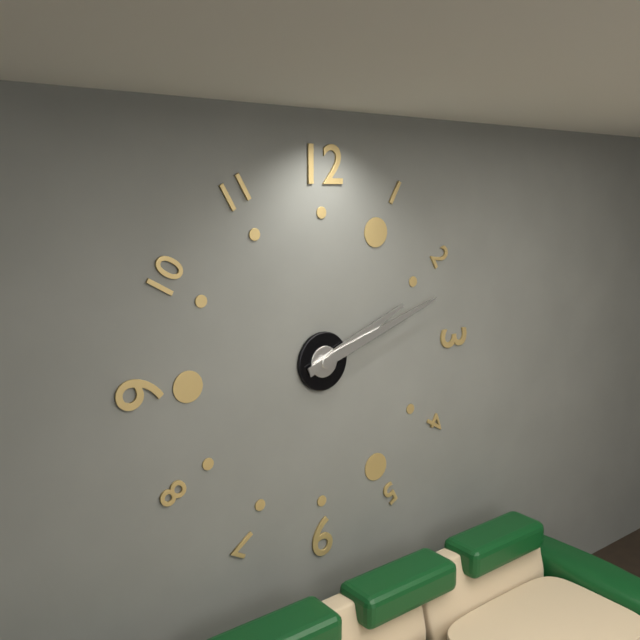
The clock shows 2:12
